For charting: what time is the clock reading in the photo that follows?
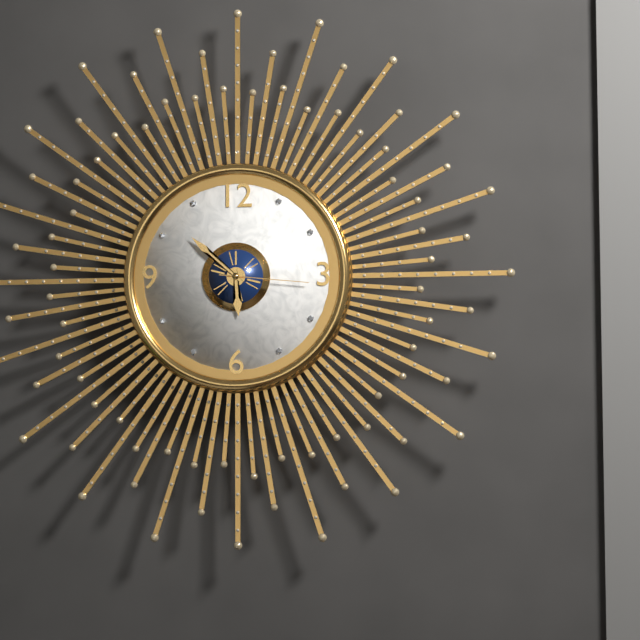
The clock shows 5:52:16
